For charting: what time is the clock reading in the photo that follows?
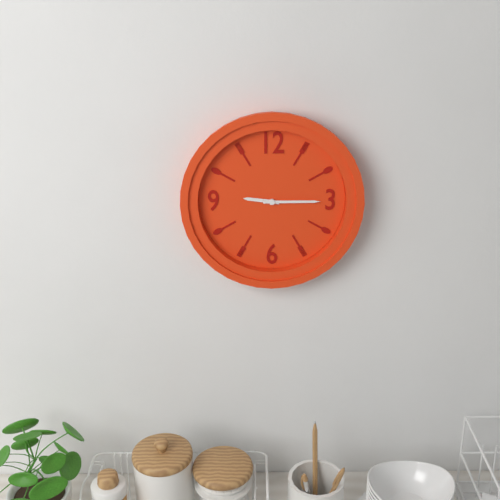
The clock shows 9:15
